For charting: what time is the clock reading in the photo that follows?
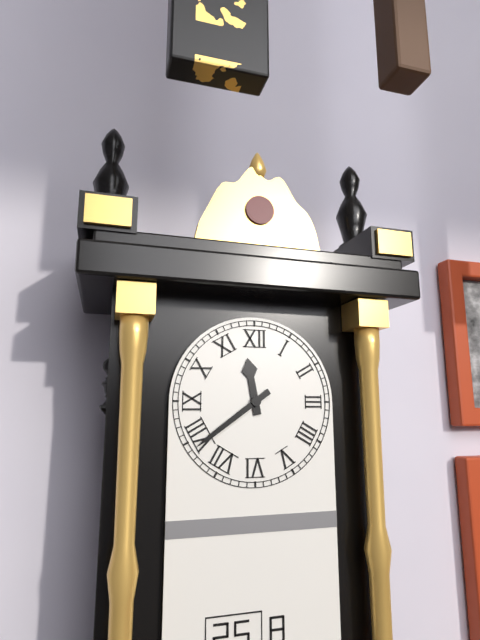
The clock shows 11:39
